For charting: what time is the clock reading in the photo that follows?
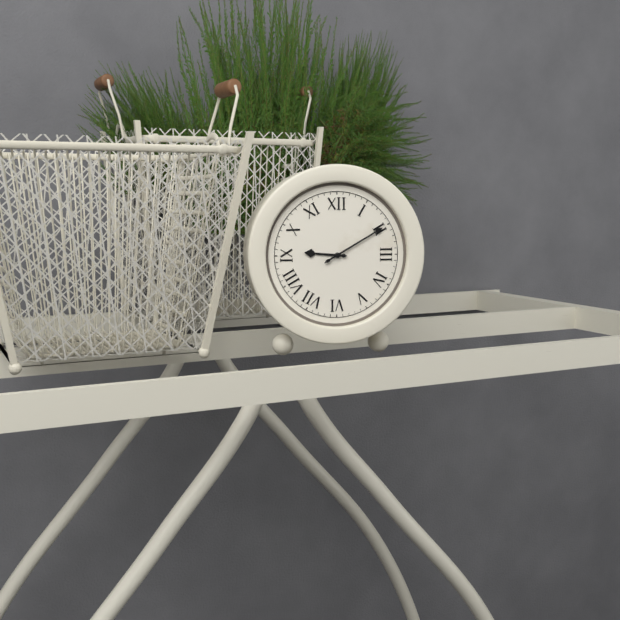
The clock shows 9:10
